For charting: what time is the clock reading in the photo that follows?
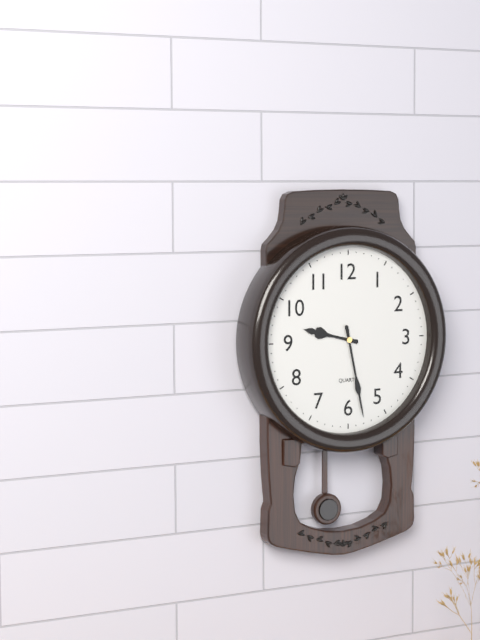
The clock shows 9:28
